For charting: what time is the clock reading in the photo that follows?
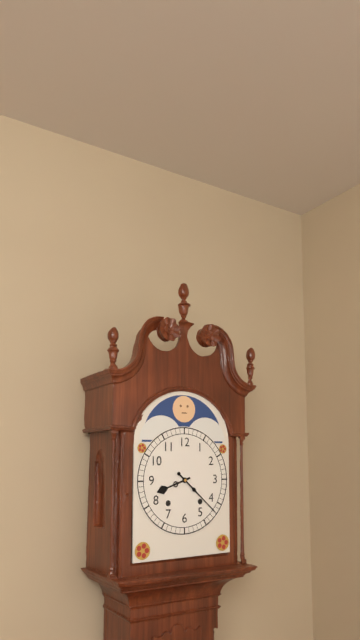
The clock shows 8:22
